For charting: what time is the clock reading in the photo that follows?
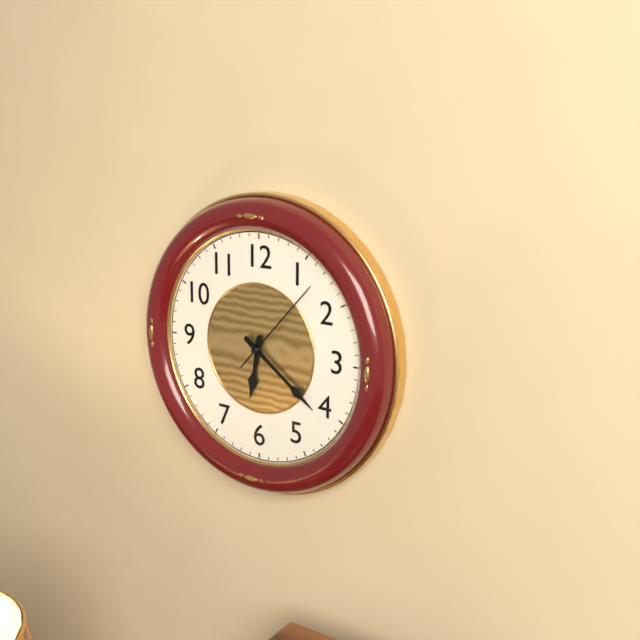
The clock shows 6:21:07
